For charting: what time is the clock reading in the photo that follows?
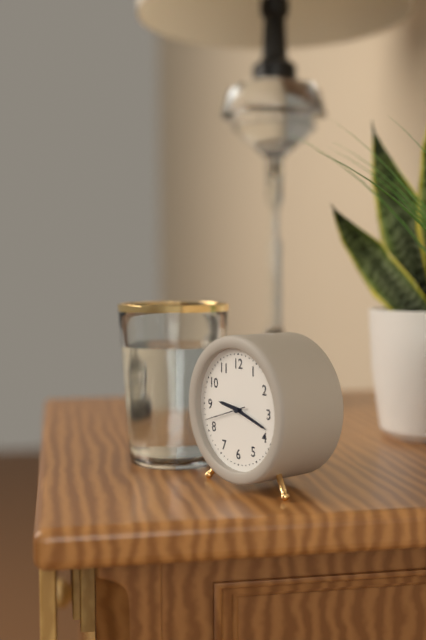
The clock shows 9:18
